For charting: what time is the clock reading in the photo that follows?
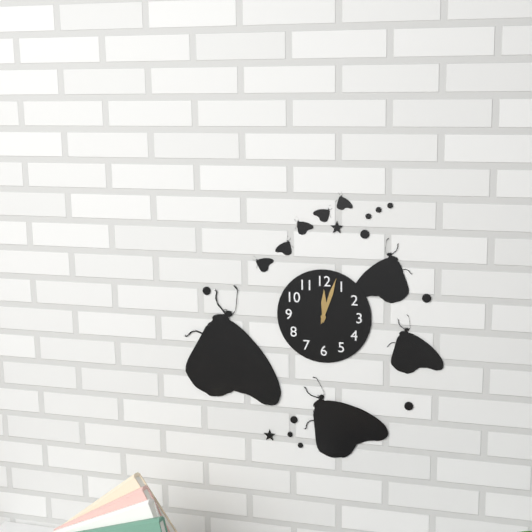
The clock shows 12:03
